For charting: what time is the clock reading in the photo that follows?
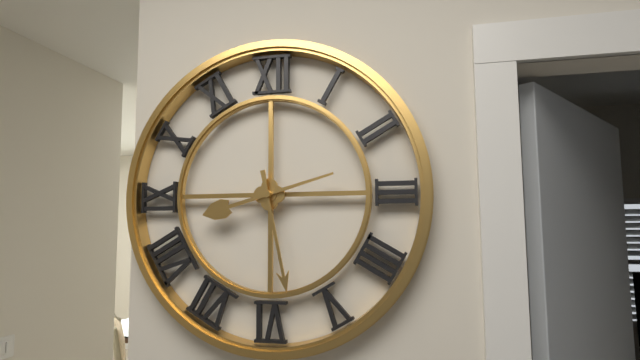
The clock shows 8:28
